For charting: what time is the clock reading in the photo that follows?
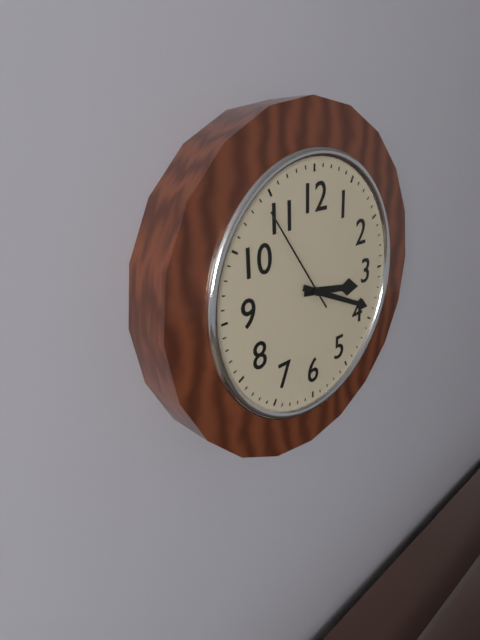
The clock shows 3:19:54
